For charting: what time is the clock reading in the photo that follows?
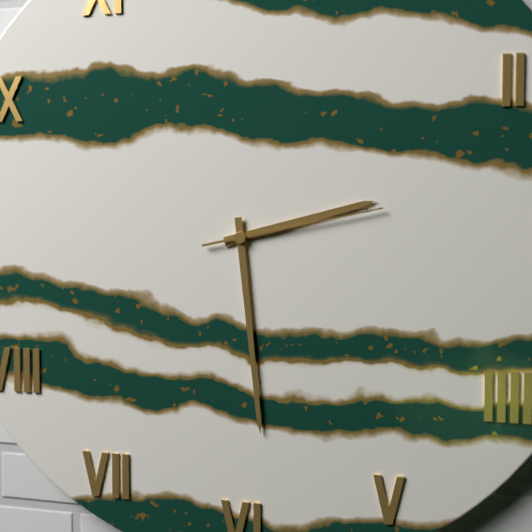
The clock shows 2:29:13
